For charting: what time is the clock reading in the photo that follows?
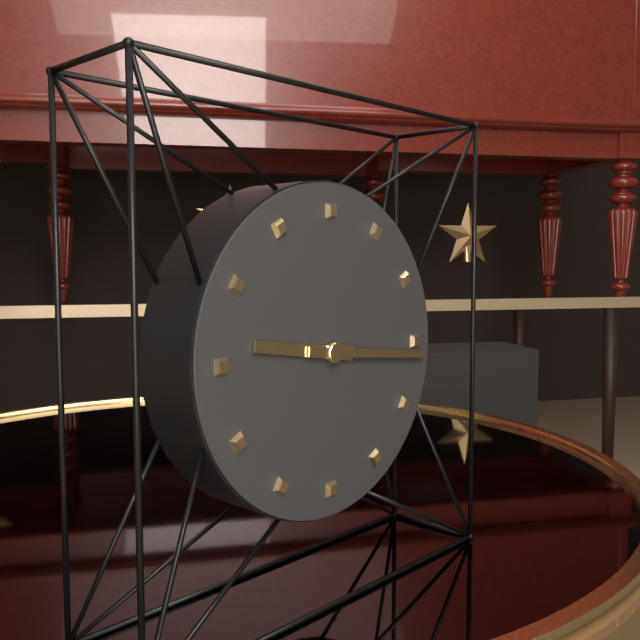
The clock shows 9:16
